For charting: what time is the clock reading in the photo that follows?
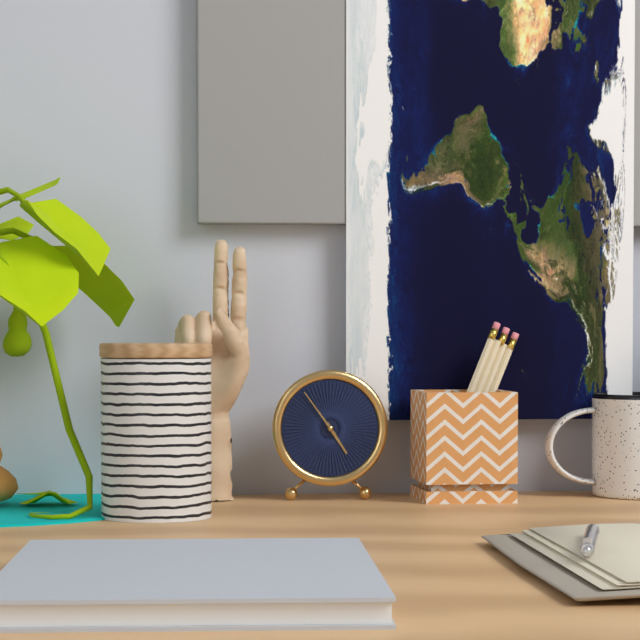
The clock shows 4:54
